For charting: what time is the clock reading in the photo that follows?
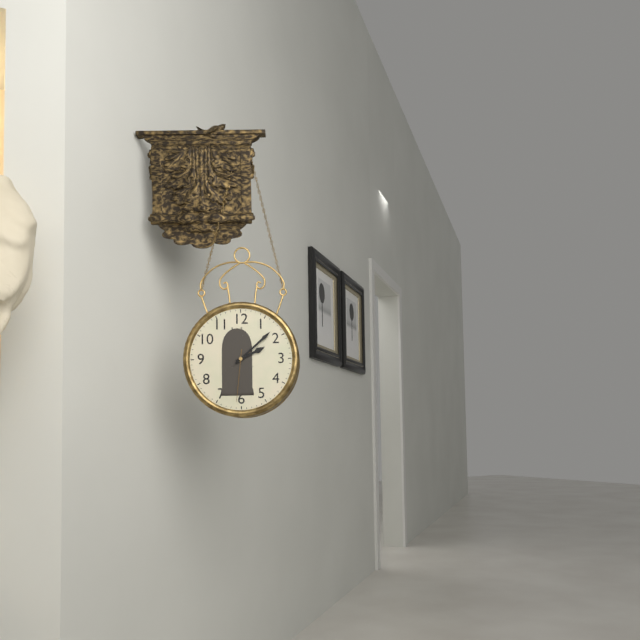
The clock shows 2:08:31
